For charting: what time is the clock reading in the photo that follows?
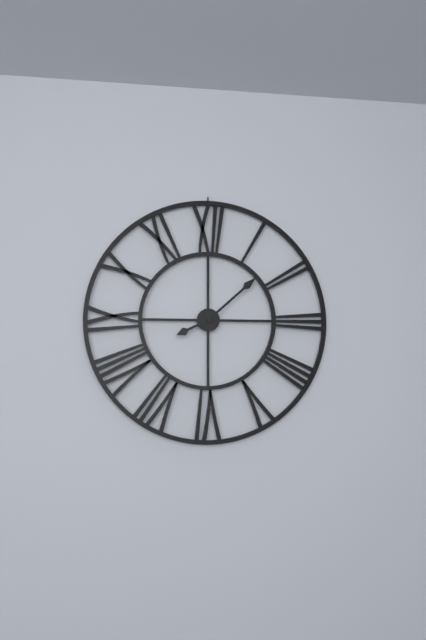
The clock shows 8:08
